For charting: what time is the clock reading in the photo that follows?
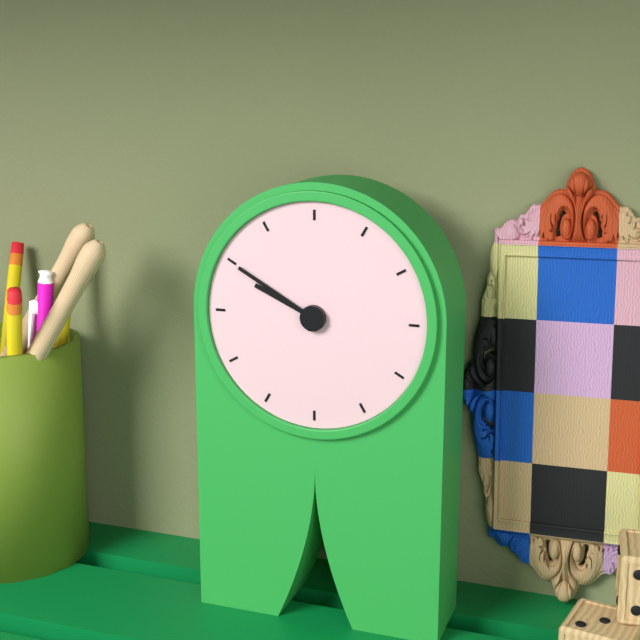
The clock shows 9:50
